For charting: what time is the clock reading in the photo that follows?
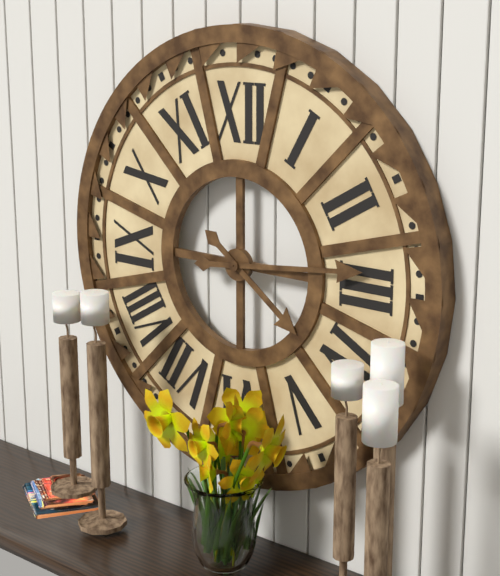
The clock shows 4:14
